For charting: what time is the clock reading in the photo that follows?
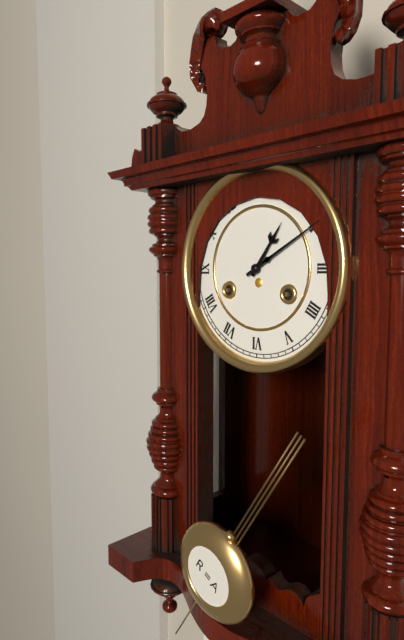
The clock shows 1:10
